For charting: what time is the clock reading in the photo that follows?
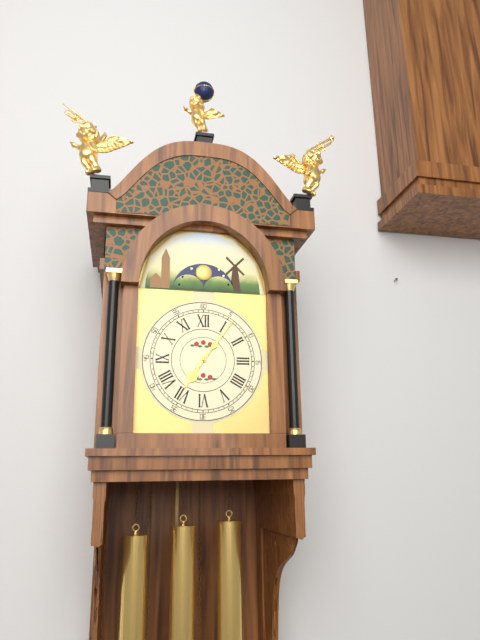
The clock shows 7:06
